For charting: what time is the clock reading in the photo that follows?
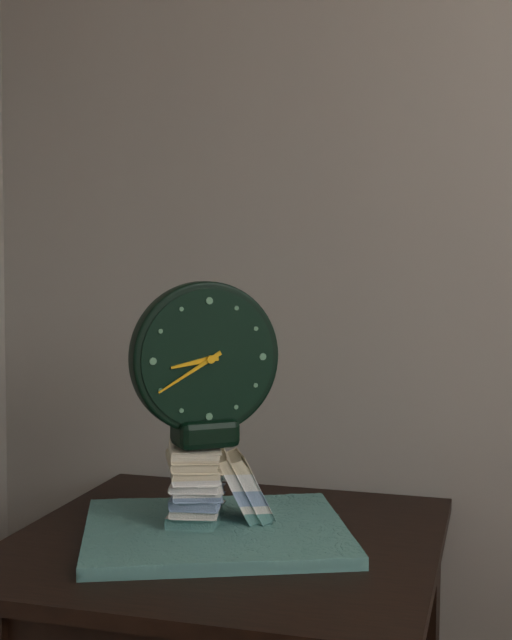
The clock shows 8:40
